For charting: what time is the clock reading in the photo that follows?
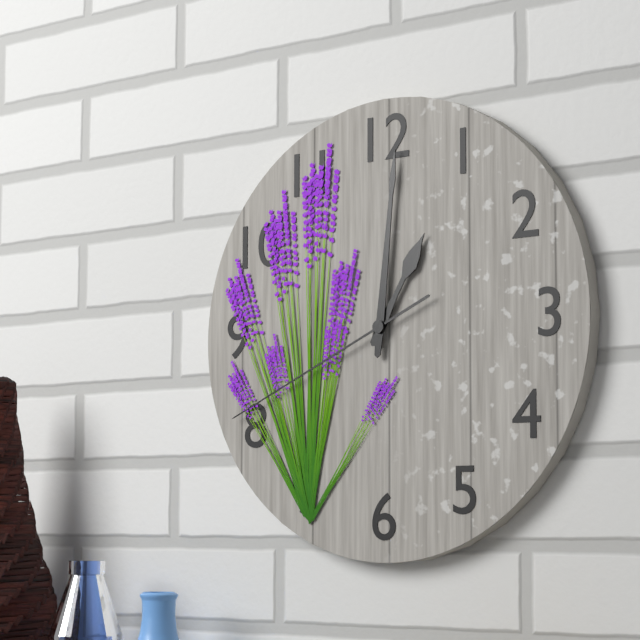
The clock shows 1:01:41
